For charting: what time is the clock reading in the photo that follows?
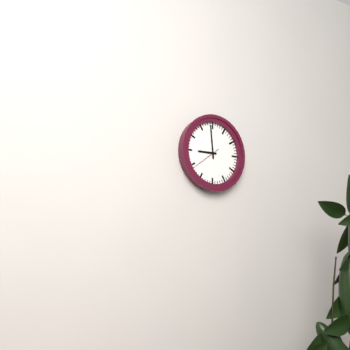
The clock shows 8:59
